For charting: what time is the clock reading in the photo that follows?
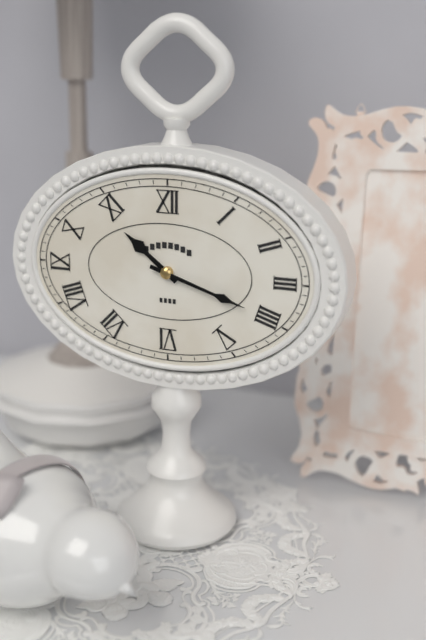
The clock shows 10:18
